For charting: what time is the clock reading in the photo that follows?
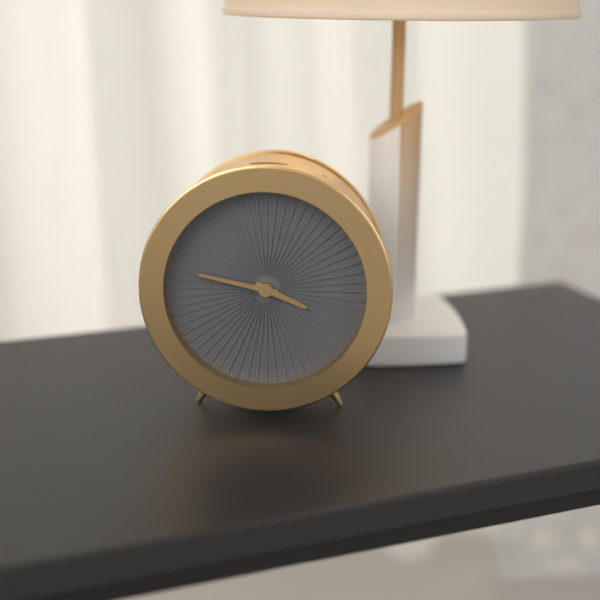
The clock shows 3:47
